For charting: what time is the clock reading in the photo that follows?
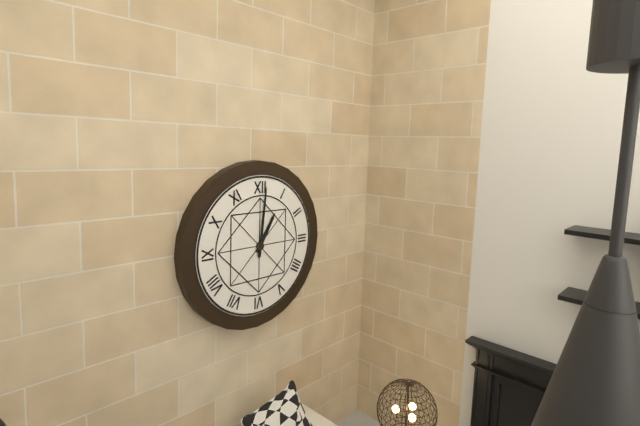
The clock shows 1:01
